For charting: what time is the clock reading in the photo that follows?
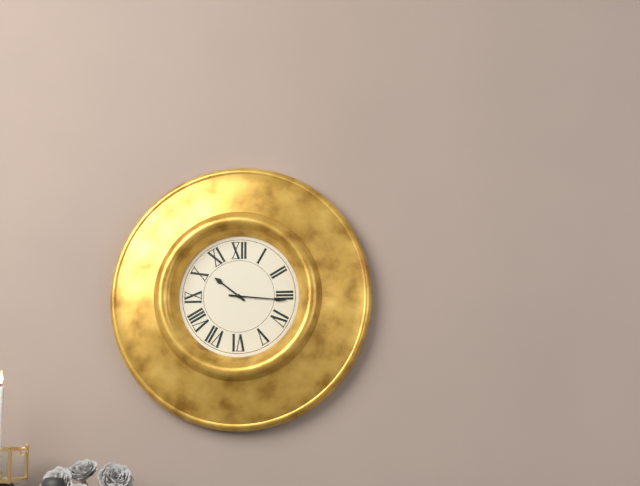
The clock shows 10:16
